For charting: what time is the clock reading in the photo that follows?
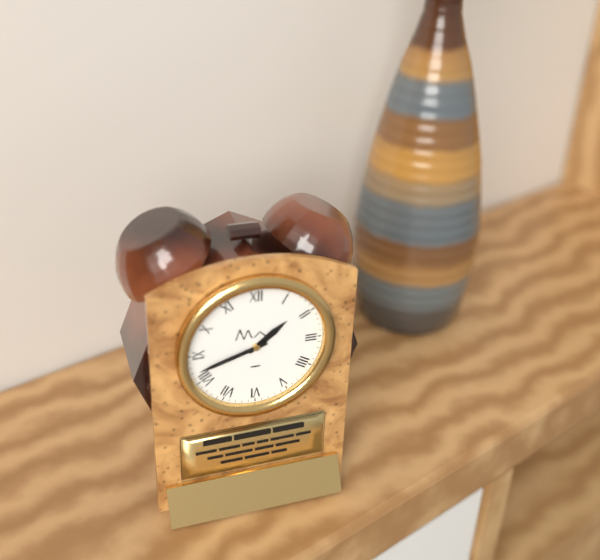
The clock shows 1:42
